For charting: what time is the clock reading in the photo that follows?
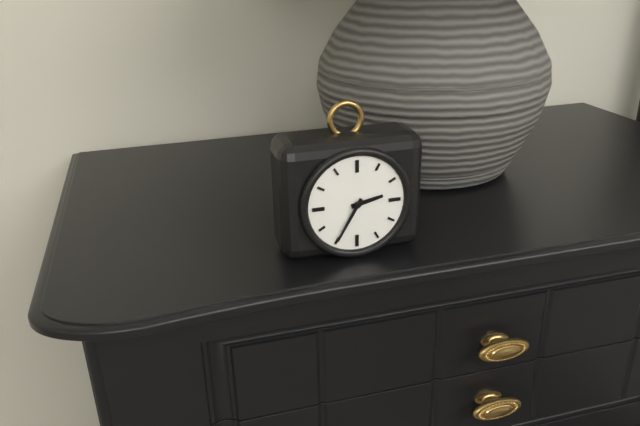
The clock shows 2:35
